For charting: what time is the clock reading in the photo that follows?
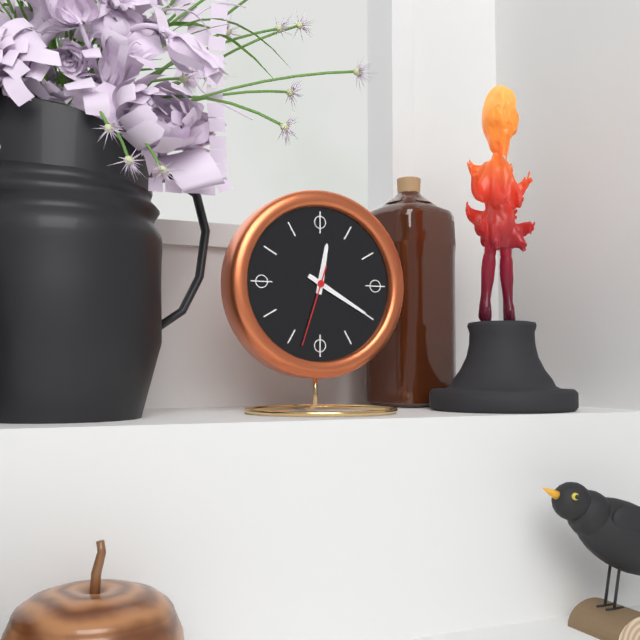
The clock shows 12:20:33
